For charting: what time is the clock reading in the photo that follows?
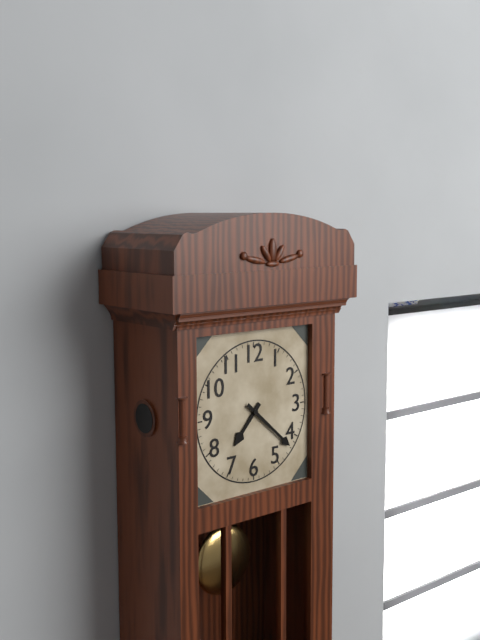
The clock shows 7:22
